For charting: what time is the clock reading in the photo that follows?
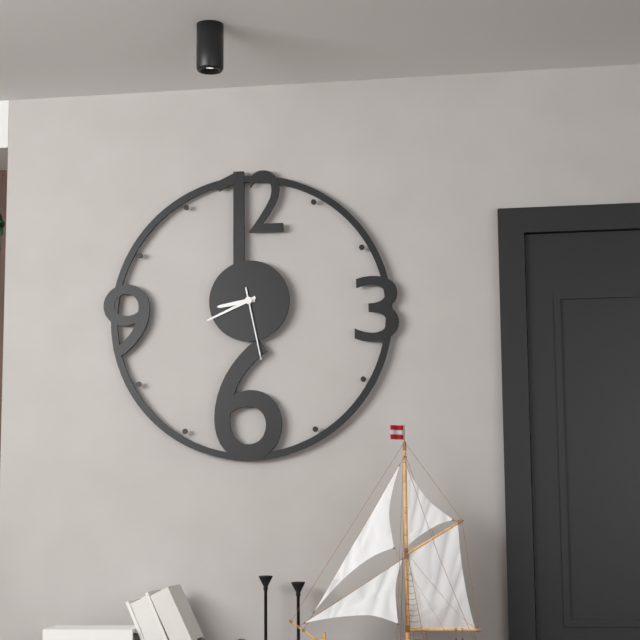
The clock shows 8:41:28
